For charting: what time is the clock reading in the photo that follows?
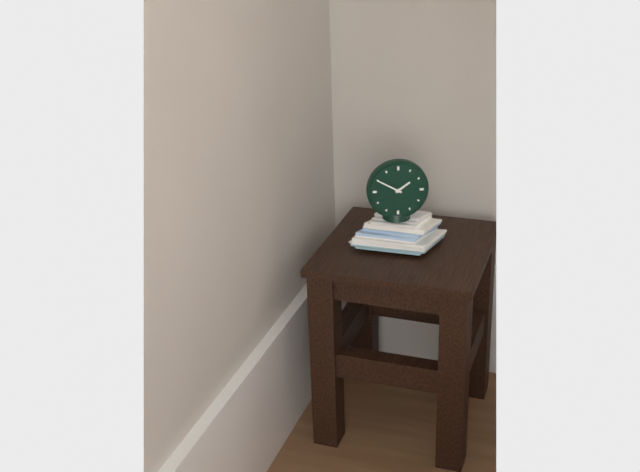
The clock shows 1:50
